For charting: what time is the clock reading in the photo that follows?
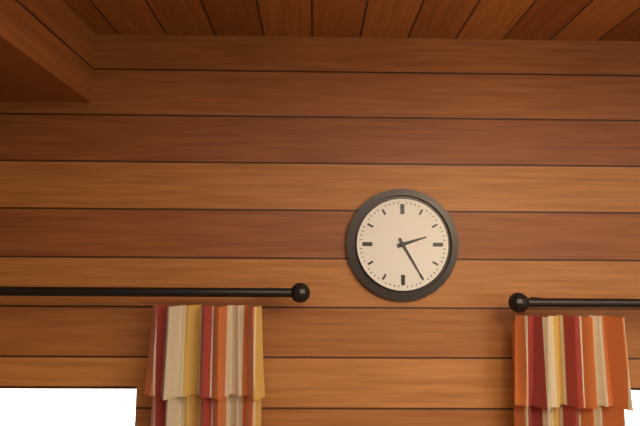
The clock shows 2:25
